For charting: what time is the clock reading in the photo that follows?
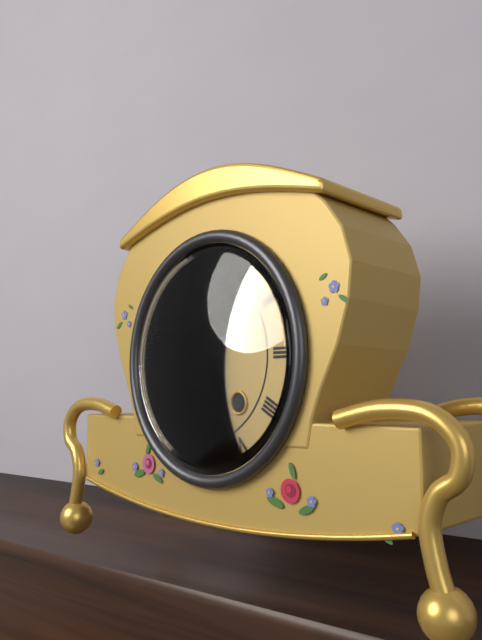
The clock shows 1:07
